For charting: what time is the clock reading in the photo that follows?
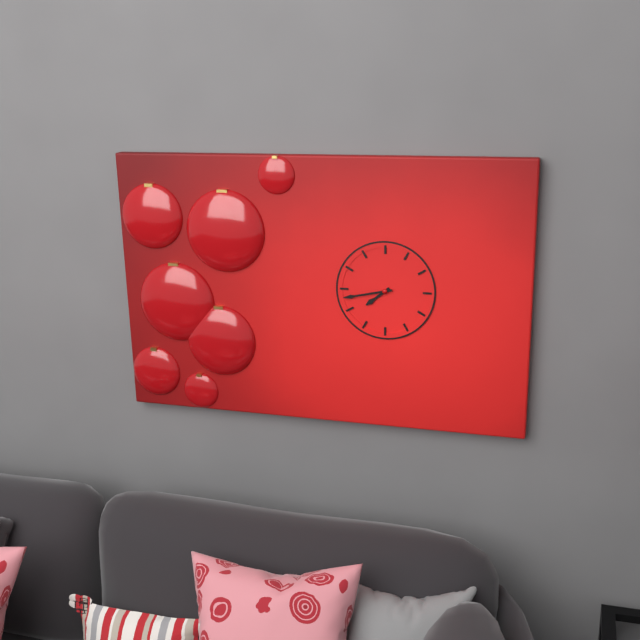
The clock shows 7:43
